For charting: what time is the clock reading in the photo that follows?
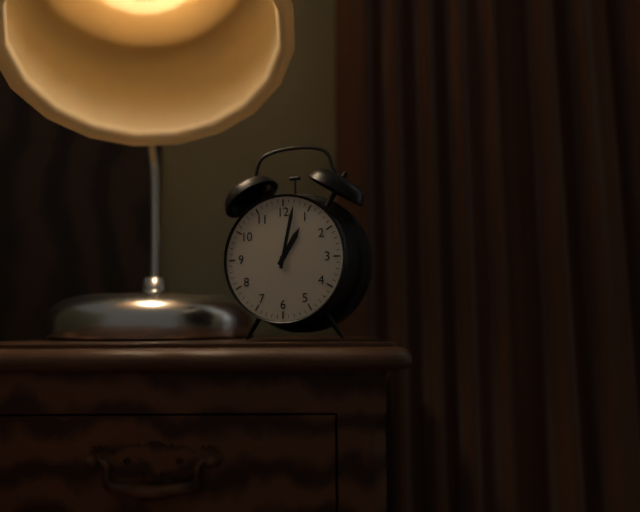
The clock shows 1:02
